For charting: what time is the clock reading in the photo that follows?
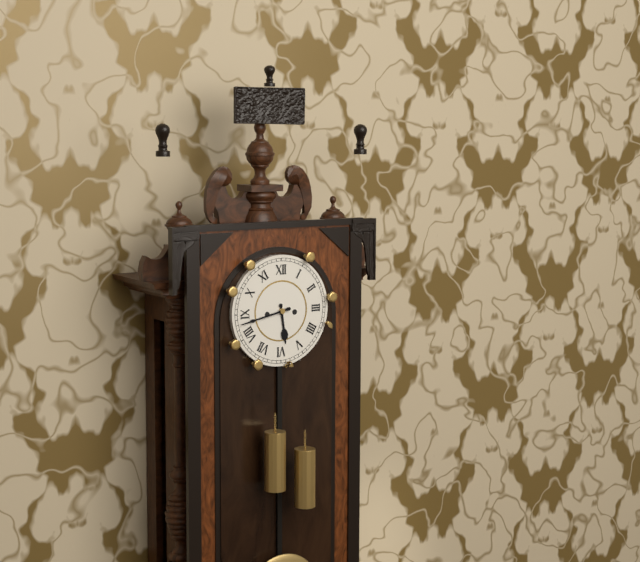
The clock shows 5:43
